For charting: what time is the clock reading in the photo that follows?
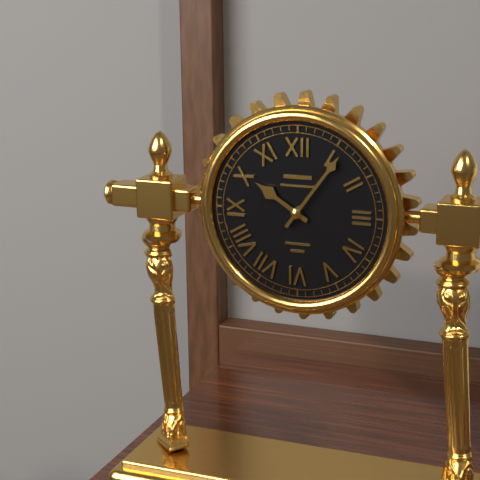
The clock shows 10:06
